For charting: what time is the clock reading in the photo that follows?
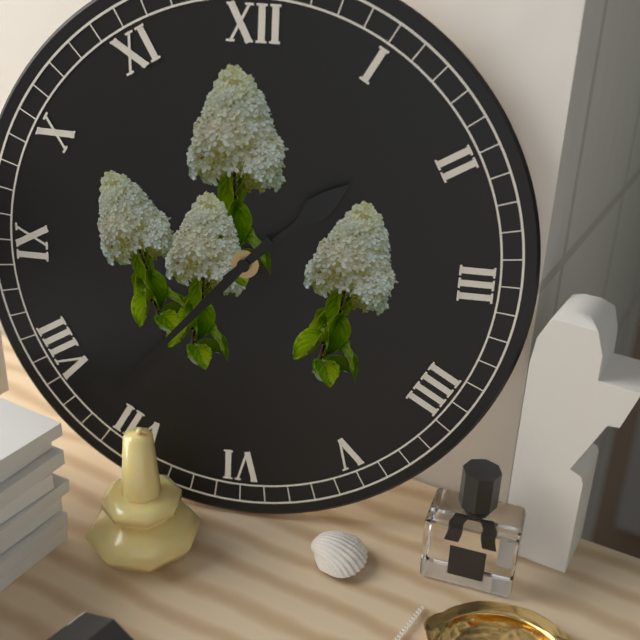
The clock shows 1:37
